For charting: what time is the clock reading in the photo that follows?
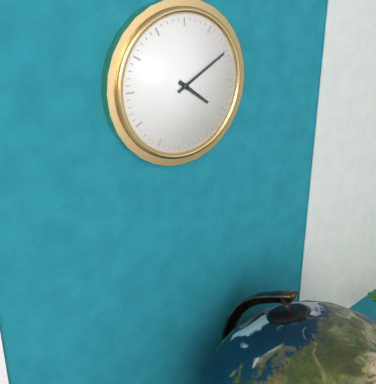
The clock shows 4:10
